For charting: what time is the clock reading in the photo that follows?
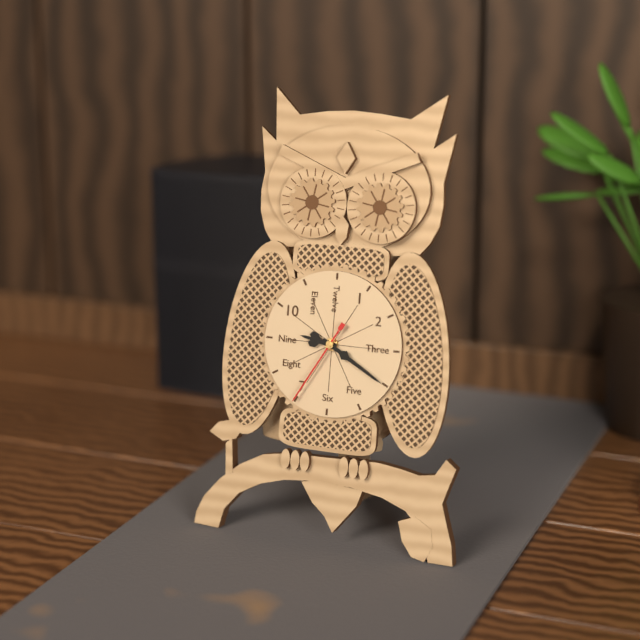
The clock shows 9:20:35
